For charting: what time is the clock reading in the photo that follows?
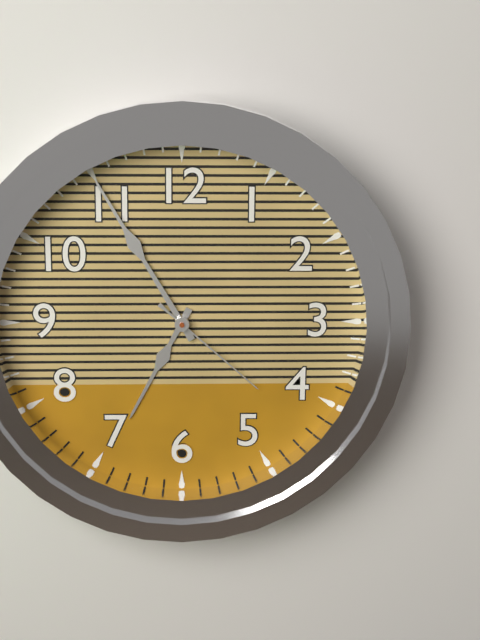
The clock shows 6:55:22
